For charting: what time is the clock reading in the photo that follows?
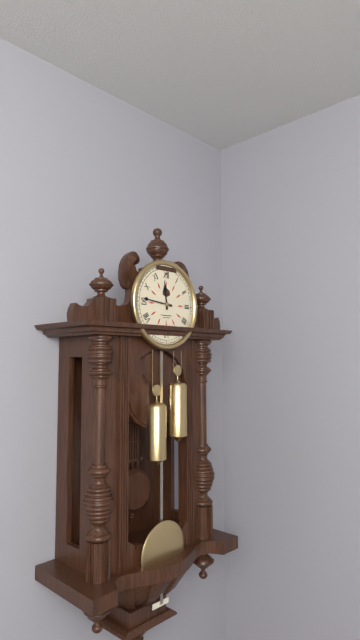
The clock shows 11:46
